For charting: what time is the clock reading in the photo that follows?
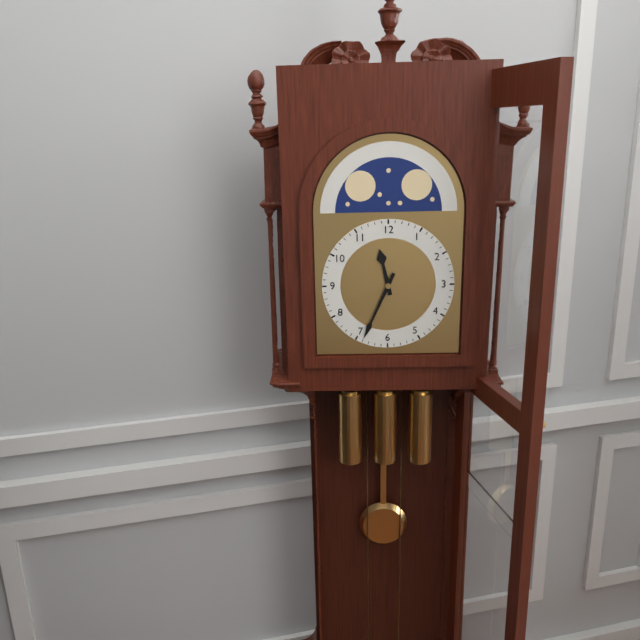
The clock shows 11:34
